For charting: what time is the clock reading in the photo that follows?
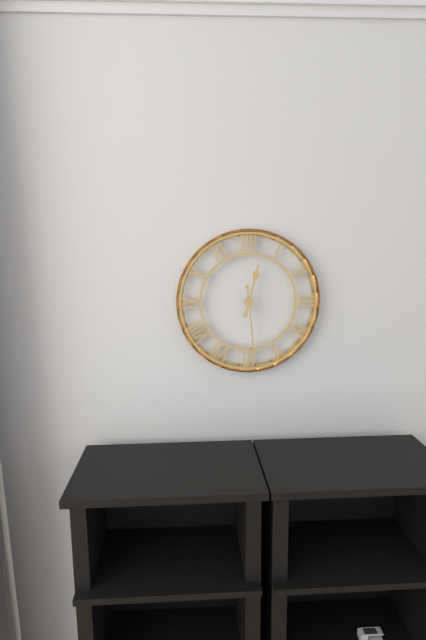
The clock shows 12:29
